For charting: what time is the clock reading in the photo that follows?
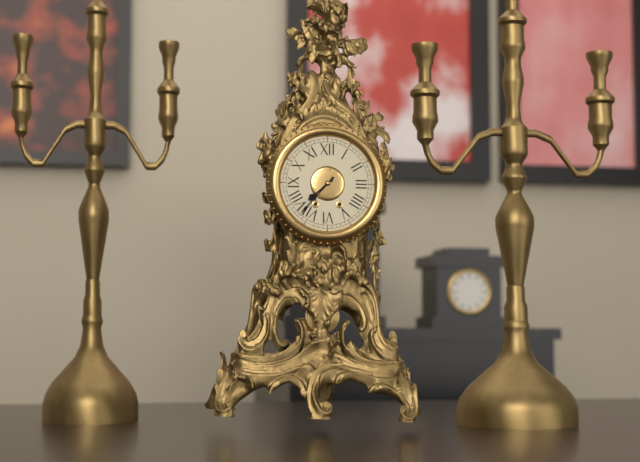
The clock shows 7:37
